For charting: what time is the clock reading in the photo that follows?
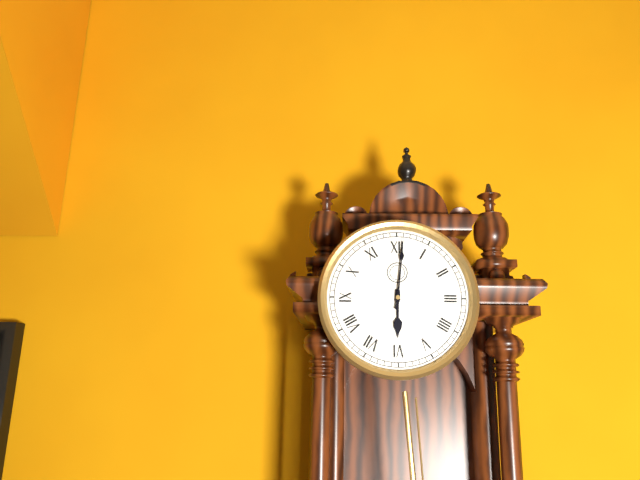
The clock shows 6:01
